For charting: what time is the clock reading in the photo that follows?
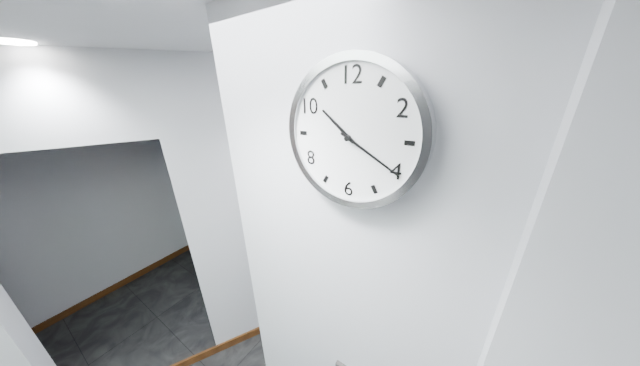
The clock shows 10:20
